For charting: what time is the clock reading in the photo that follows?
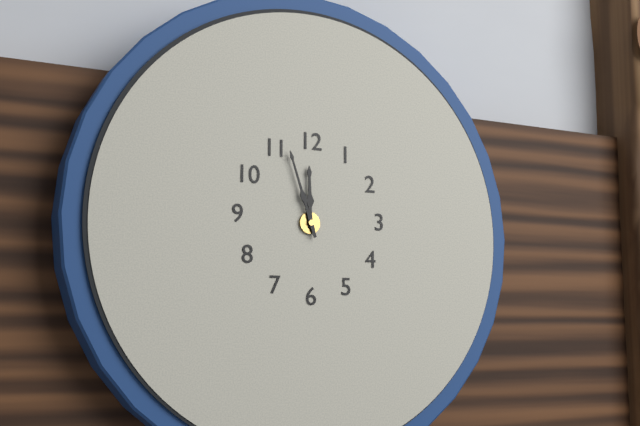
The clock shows 11:57
